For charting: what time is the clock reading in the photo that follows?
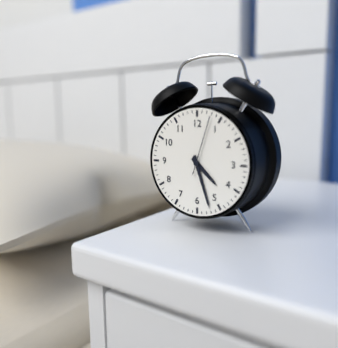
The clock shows 4:27:03
